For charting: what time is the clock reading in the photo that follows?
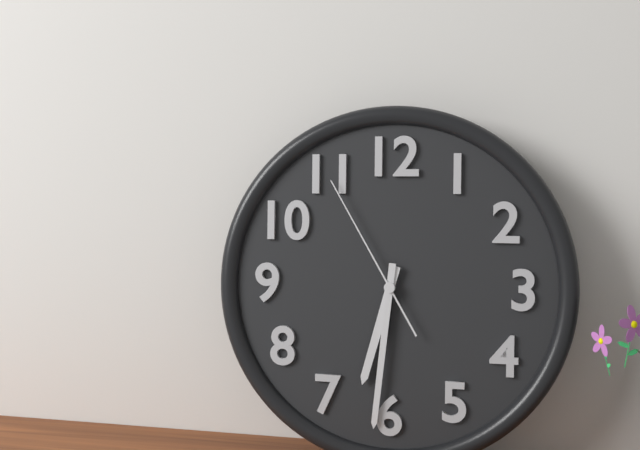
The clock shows 6:31:55
